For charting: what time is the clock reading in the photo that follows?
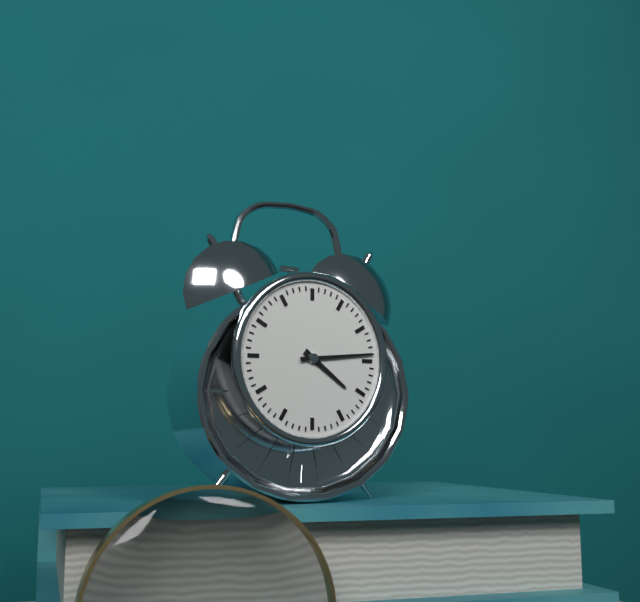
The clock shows 4:14
